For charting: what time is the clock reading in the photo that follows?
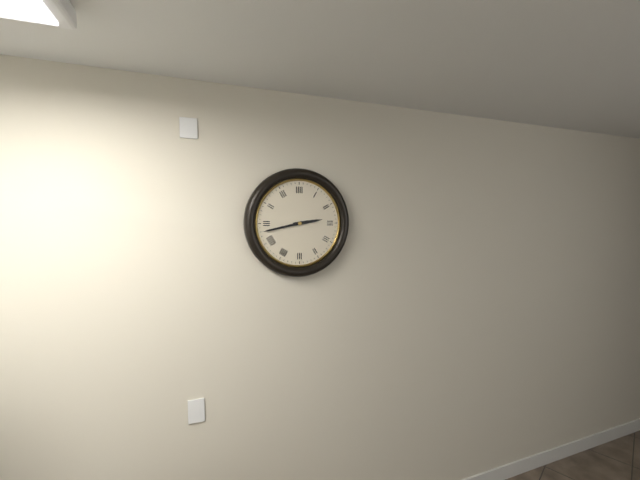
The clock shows 2:43
